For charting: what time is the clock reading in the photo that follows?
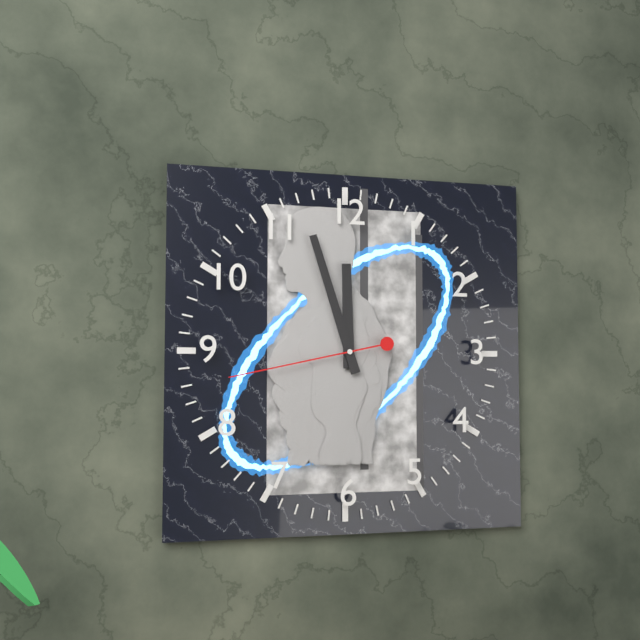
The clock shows 11:57:43
